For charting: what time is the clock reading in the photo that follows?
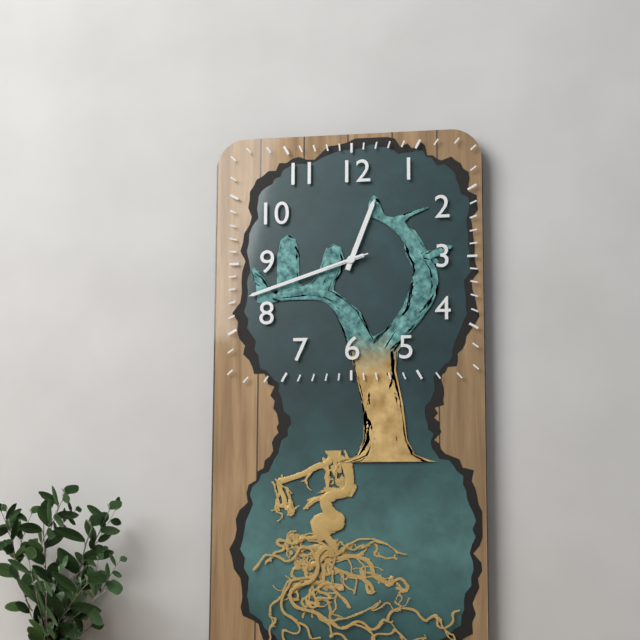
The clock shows 12:42
